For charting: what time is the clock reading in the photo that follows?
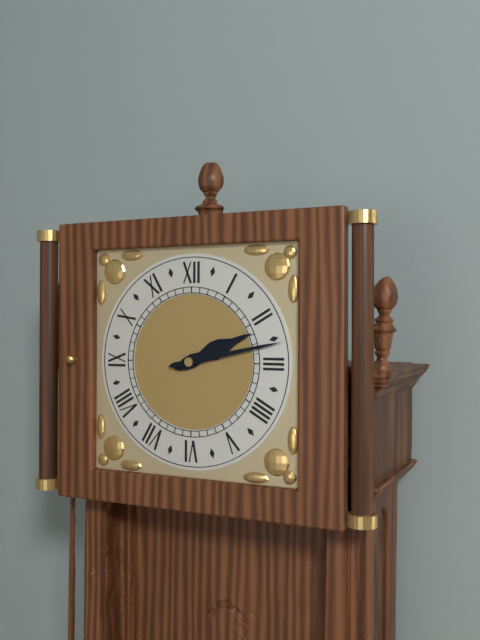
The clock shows 2:13
